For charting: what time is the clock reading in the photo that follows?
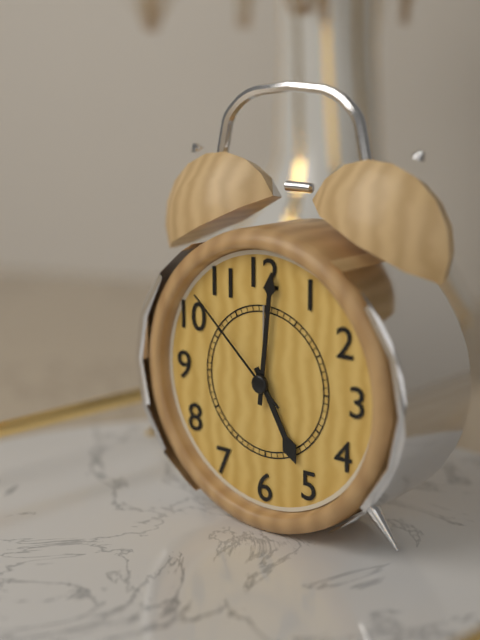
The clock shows 5:01:52
